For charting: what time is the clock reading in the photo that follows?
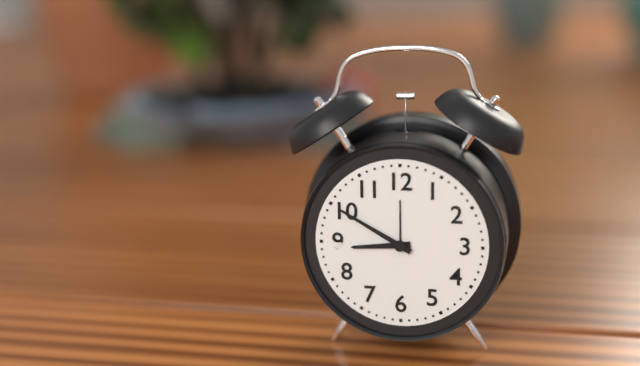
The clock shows 8:50
